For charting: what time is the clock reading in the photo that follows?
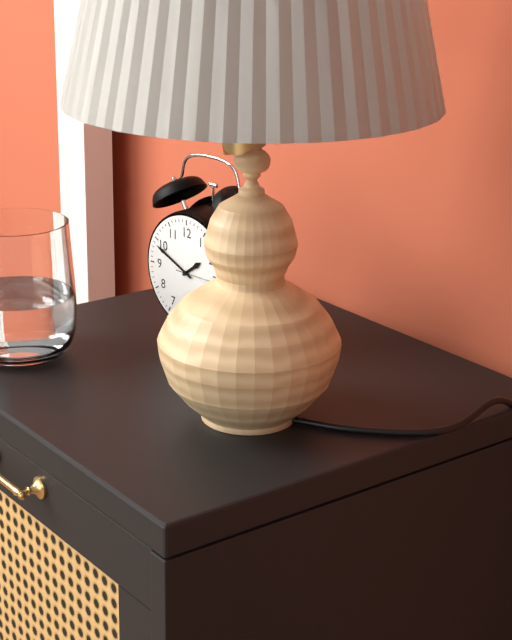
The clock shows 1:49
